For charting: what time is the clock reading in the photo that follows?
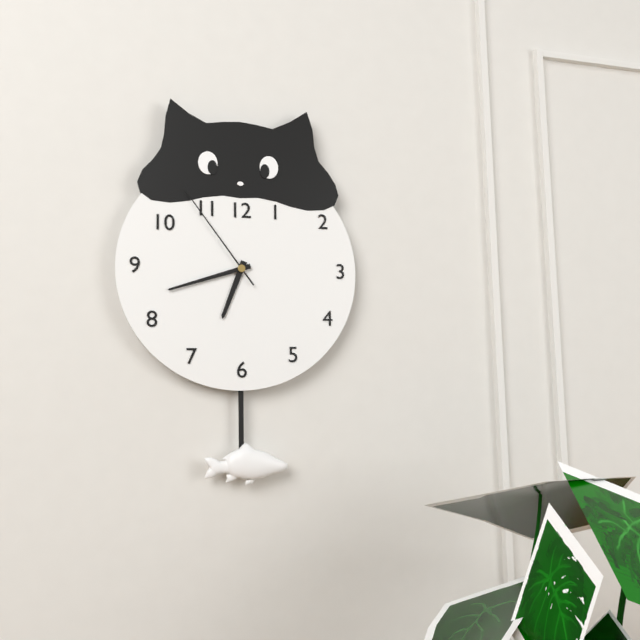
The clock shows 6:42:54
